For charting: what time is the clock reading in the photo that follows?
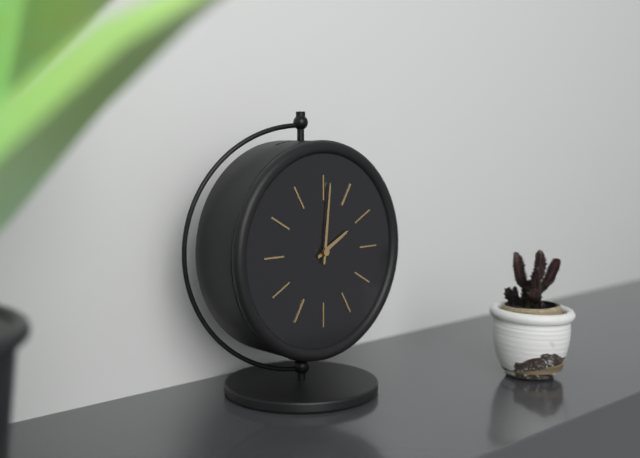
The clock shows 2:01
